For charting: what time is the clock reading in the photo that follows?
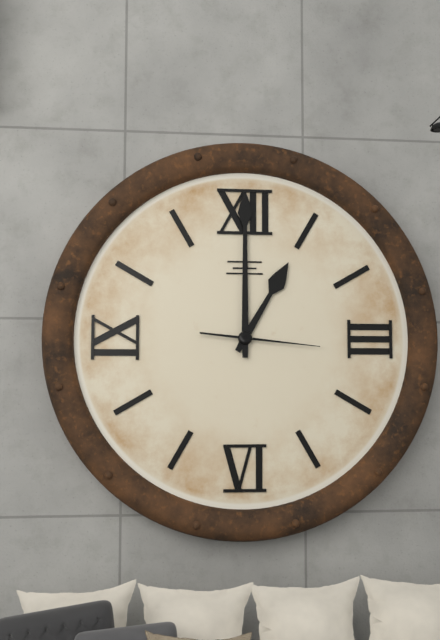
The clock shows 1:00:16
